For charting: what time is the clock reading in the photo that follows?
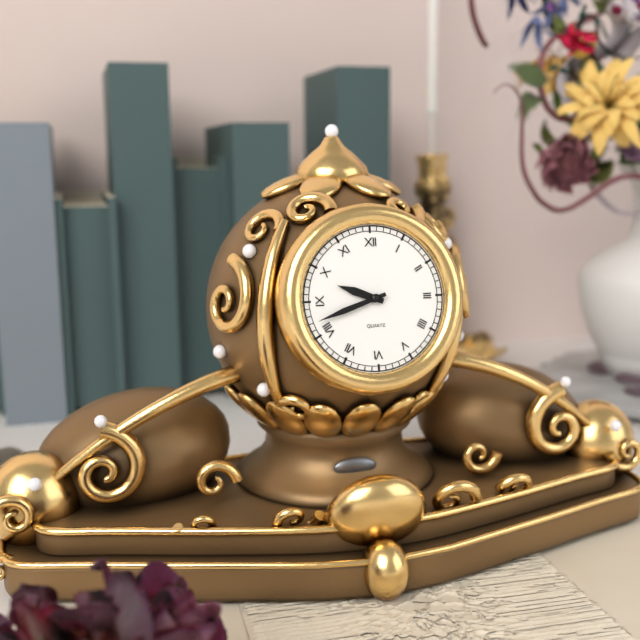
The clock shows 9:42
